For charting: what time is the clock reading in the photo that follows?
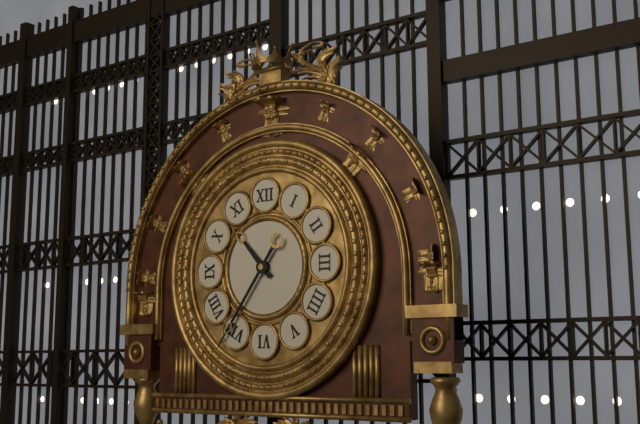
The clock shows 10:36
